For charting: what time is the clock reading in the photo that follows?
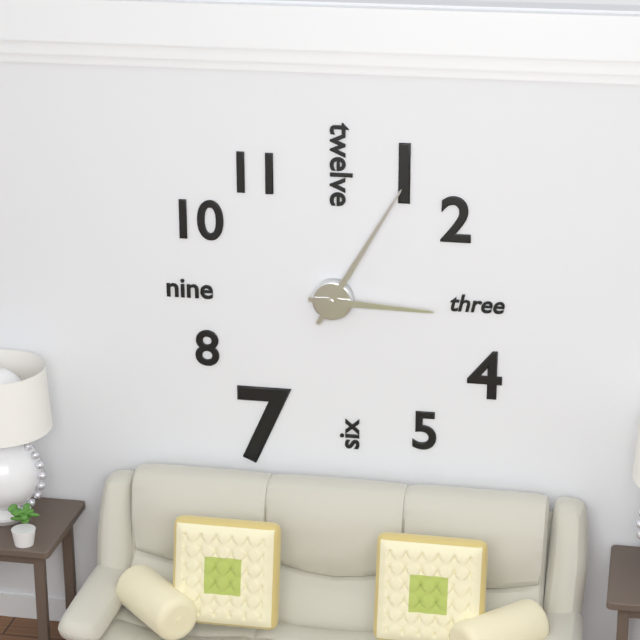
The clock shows 3:05
